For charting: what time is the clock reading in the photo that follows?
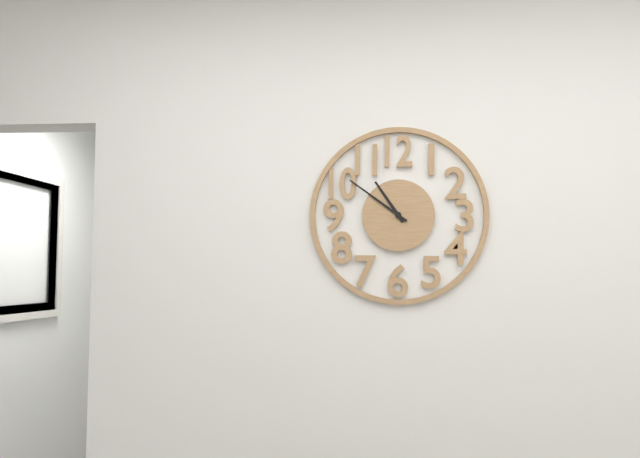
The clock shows 10:51
